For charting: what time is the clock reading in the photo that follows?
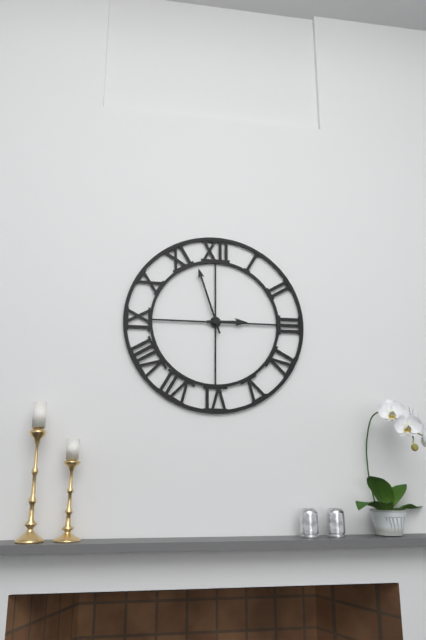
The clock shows 2:57
